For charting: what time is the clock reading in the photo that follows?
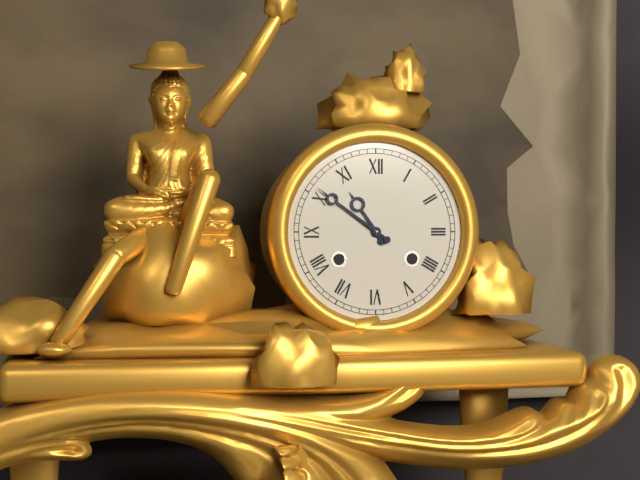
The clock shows 10:51
